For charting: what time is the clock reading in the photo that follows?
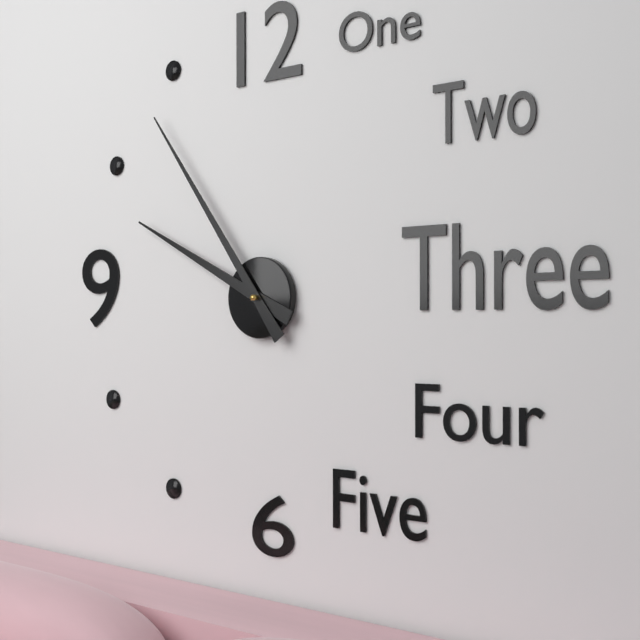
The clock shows 9:54
